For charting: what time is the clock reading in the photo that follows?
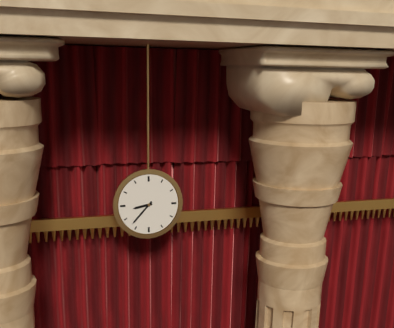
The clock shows 8:37
